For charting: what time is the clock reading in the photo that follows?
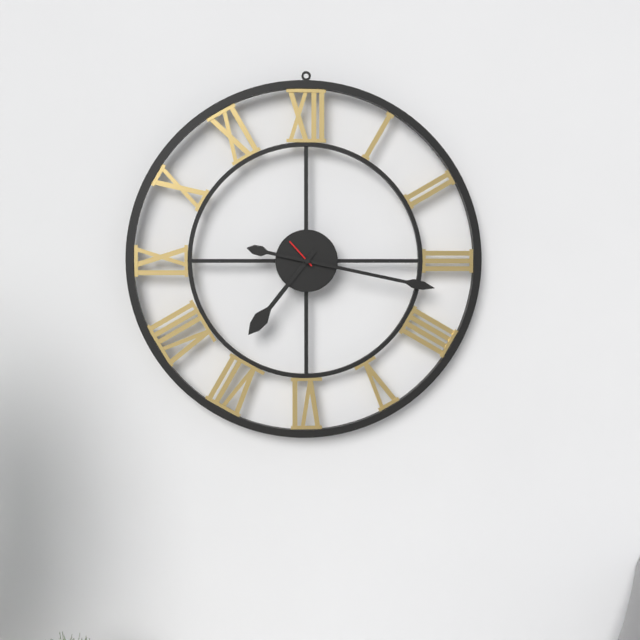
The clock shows 7:17
